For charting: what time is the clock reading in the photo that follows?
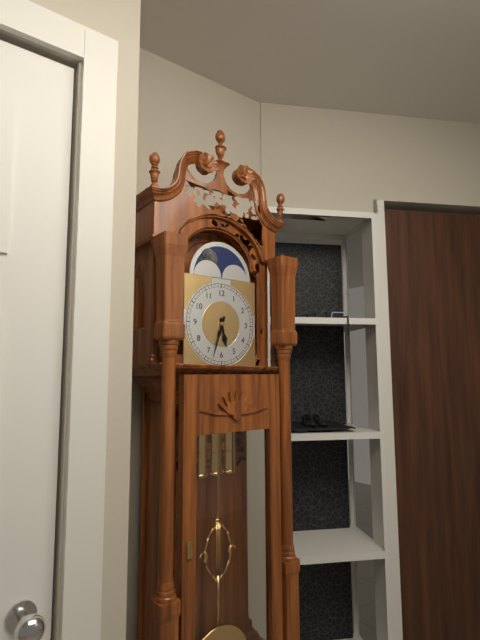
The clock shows 5:33
